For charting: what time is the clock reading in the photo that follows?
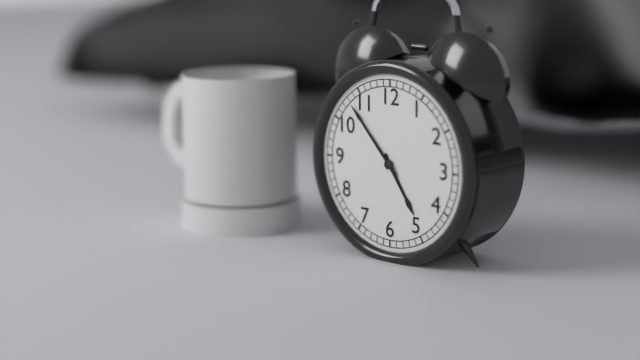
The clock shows 4:53
